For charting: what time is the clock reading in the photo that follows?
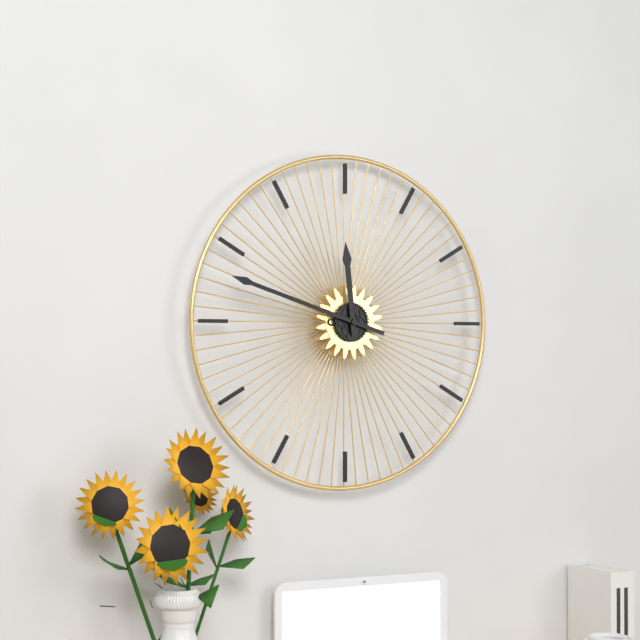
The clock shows 11:48
